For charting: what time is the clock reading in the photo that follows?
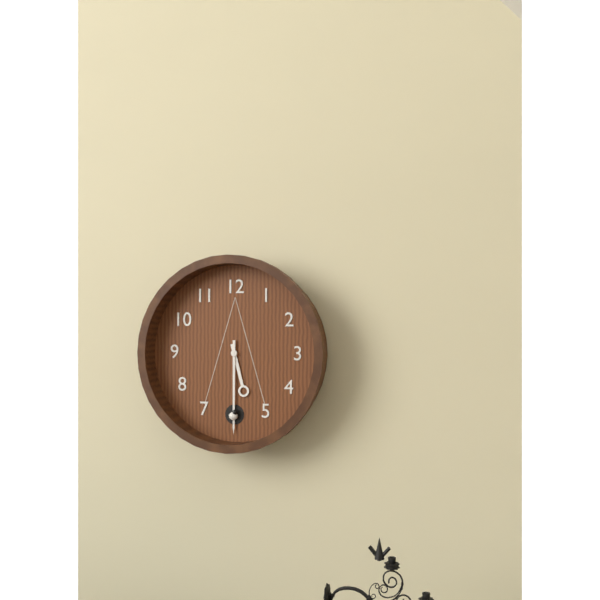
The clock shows 5:30
